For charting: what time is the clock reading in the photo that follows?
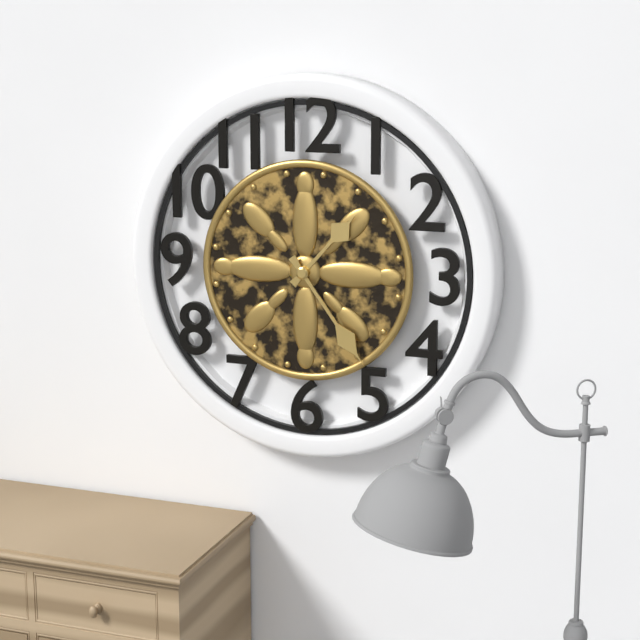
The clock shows 1:24
